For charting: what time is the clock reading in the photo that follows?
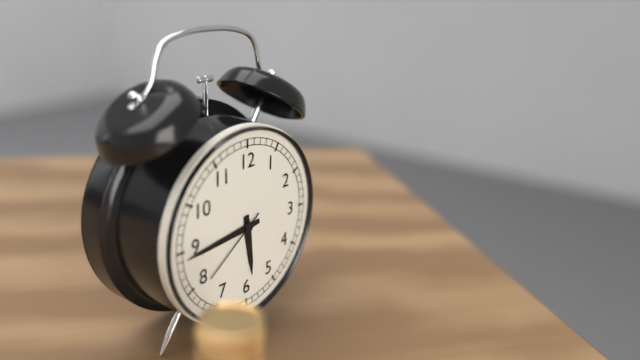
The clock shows 5:44:39
